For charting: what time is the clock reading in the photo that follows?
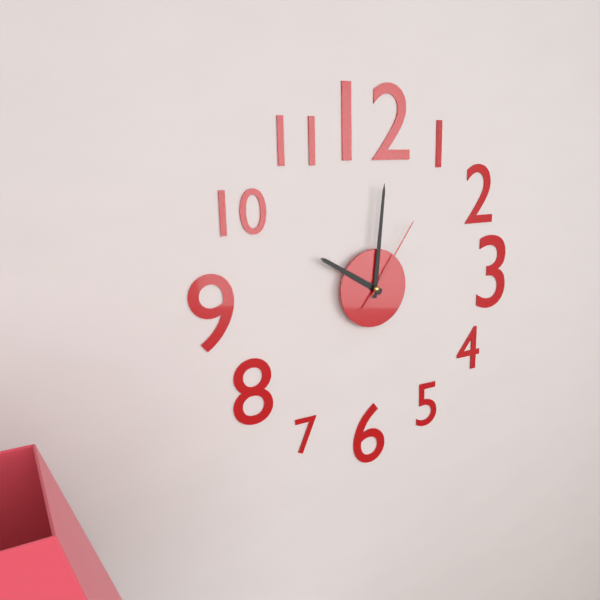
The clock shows 10:01:06
